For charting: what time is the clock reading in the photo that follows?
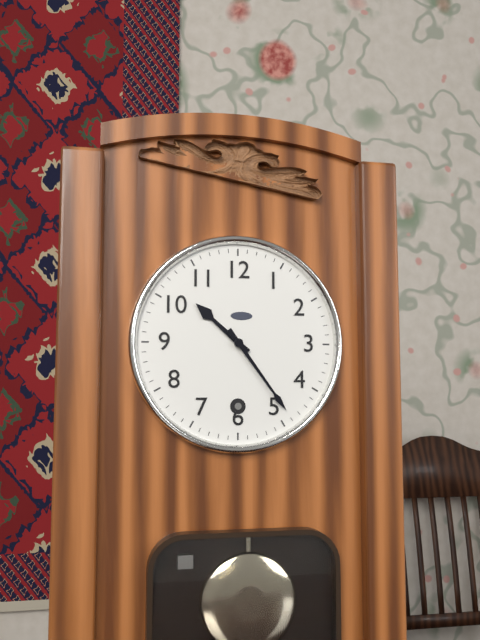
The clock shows 10:24
